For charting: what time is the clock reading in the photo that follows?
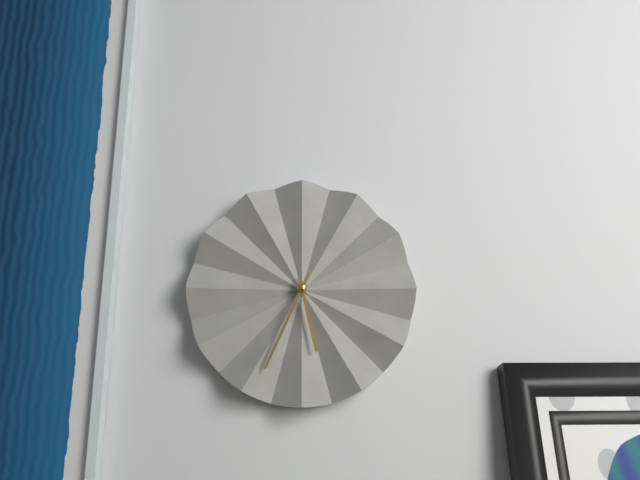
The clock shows 5:34
